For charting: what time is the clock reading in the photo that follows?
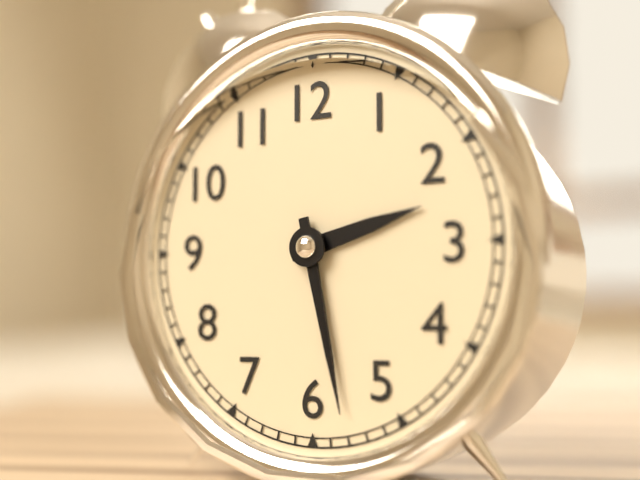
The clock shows 2:28
